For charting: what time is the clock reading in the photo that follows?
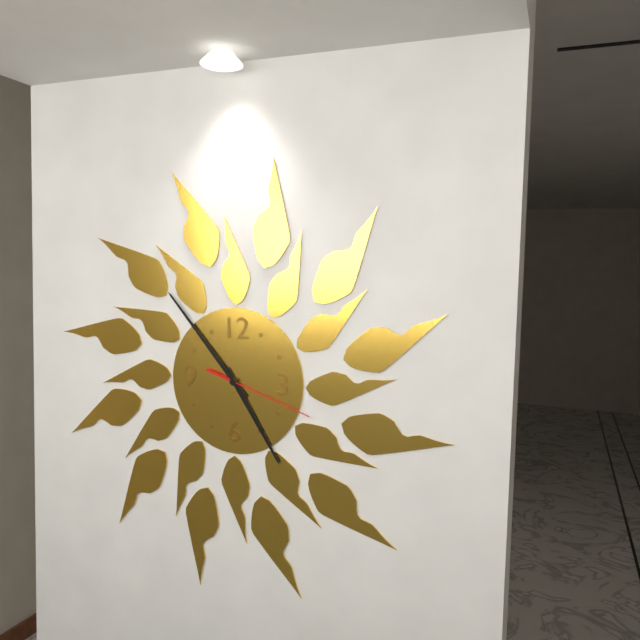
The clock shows 4:53:18
